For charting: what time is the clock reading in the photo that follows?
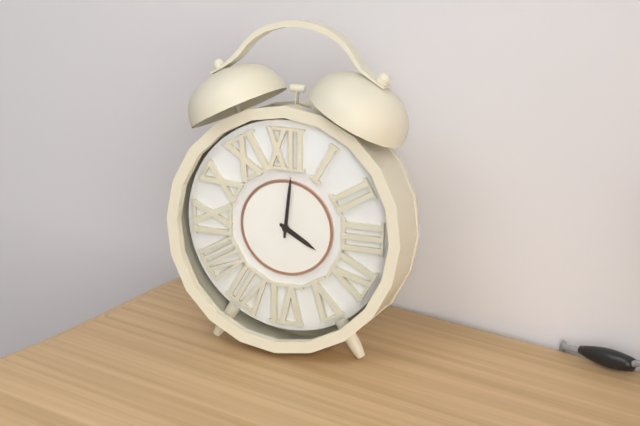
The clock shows 4:01
